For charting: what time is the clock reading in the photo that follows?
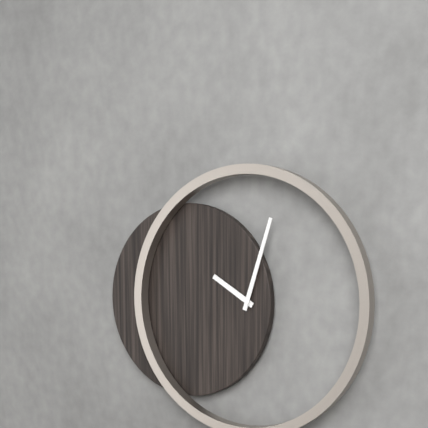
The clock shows 10:03
